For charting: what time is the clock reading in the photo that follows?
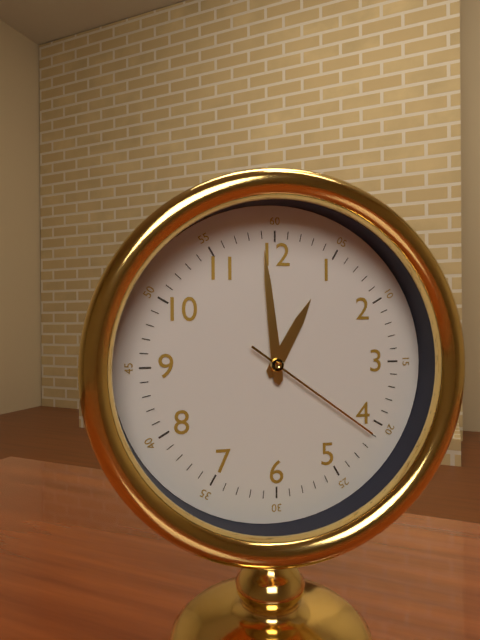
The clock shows 12:59:21
